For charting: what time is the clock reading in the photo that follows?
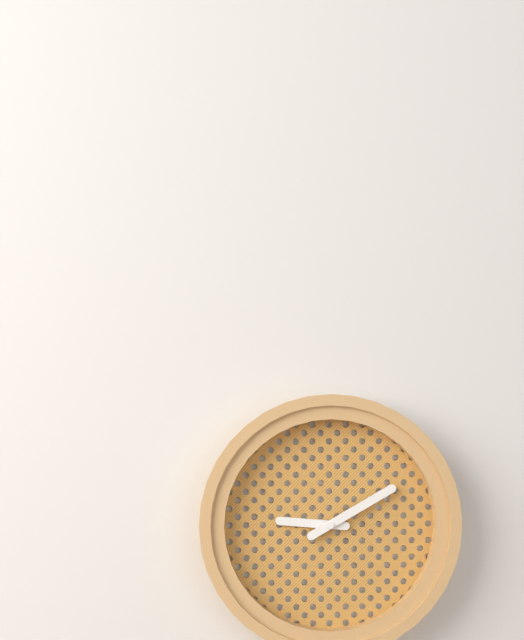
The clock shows 9:10
